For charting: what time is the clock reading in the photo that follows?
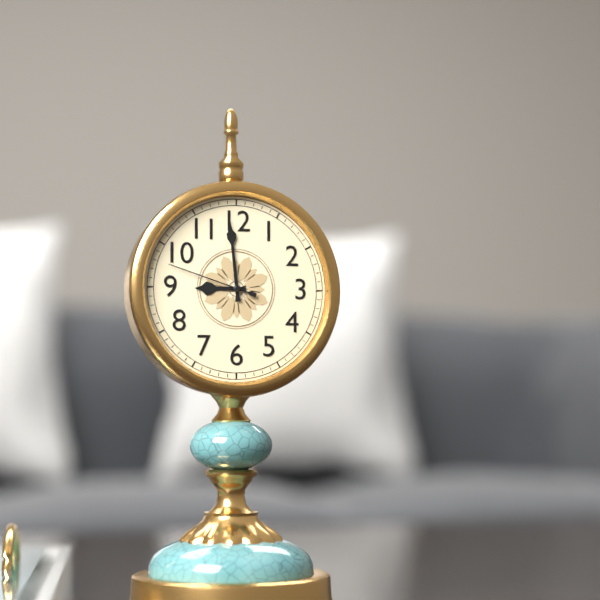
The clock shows 8:59:48
